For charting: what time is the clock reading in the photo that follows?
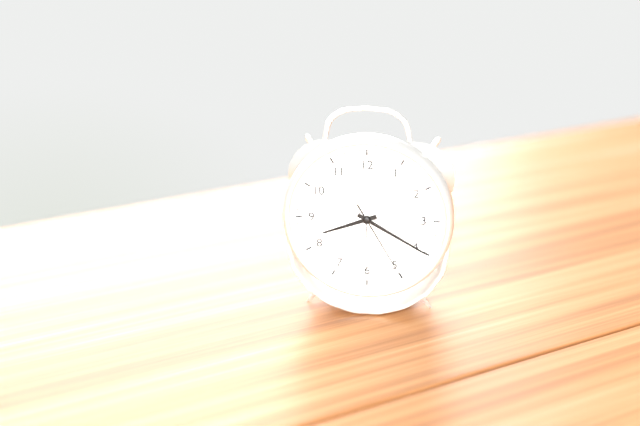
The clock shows 8:20:25
